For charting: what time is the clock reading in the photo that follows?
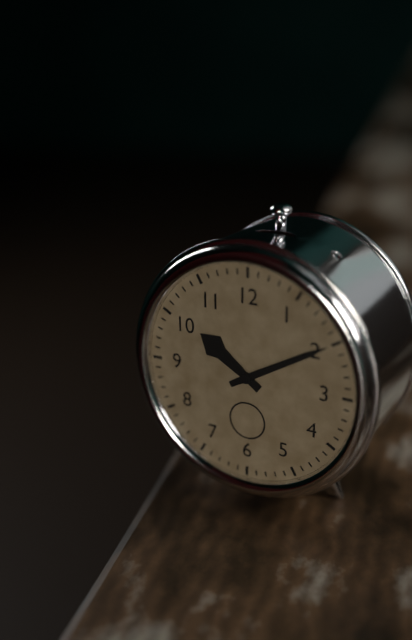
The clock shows 10:10
